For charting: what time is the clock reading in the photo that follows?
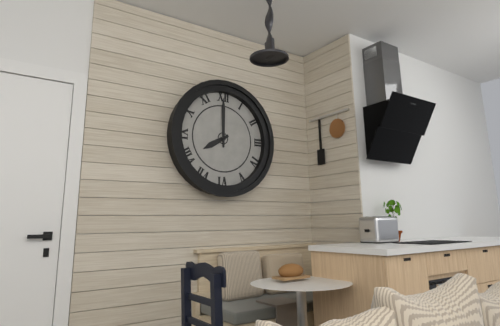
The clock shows 8:00
